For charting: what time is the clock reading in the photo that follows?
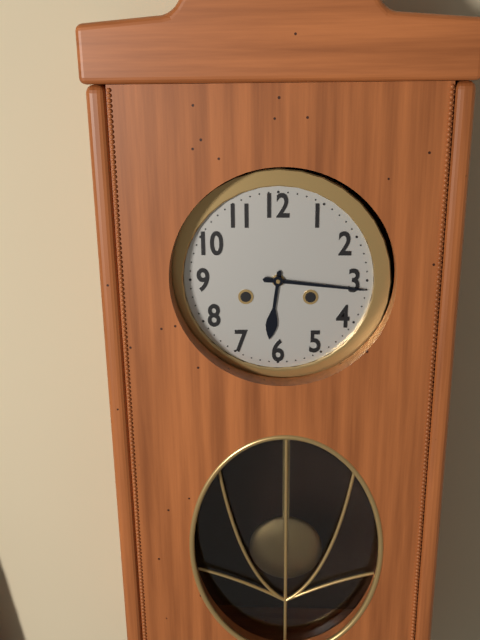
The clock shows 6:16
